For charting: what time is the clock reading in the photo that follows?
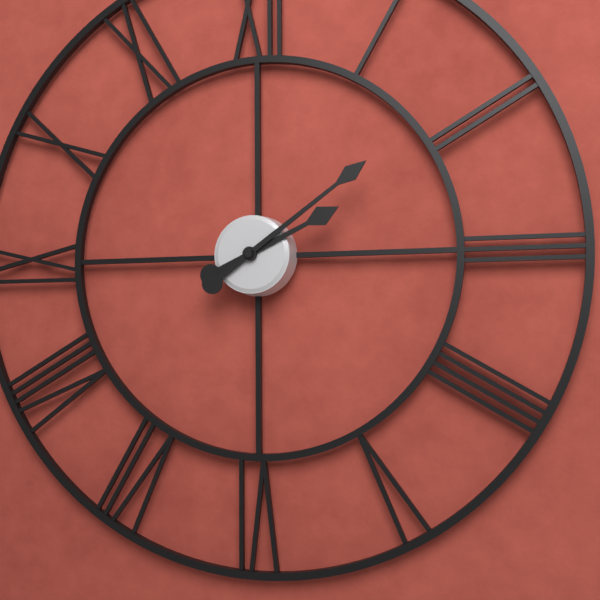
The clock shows 2:09
